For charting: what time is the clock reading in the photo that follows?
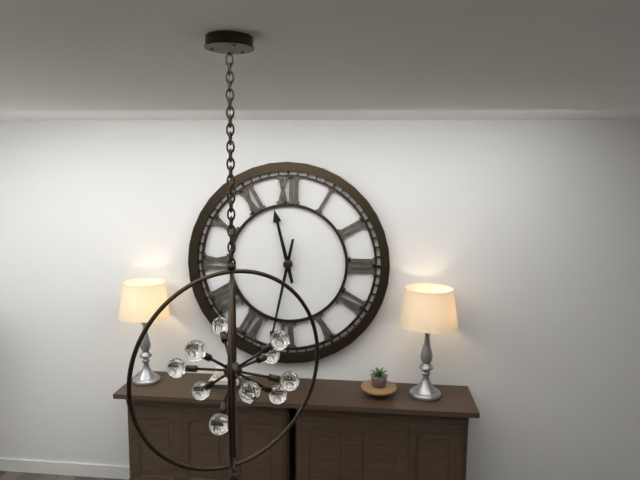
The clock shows 11:32
